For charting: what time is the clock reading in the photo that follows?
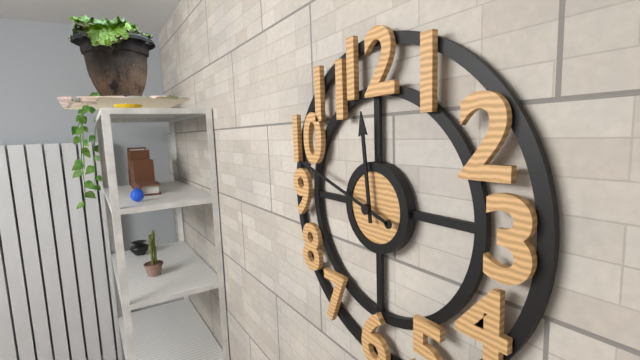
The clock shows 11:48
